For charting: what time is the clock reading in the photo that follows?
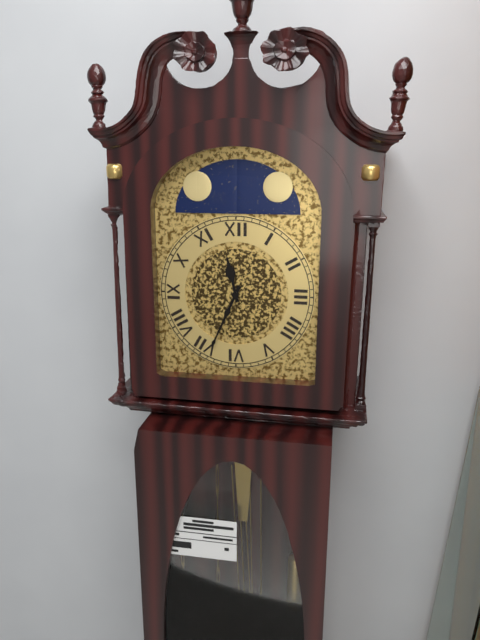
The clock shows 11:34
